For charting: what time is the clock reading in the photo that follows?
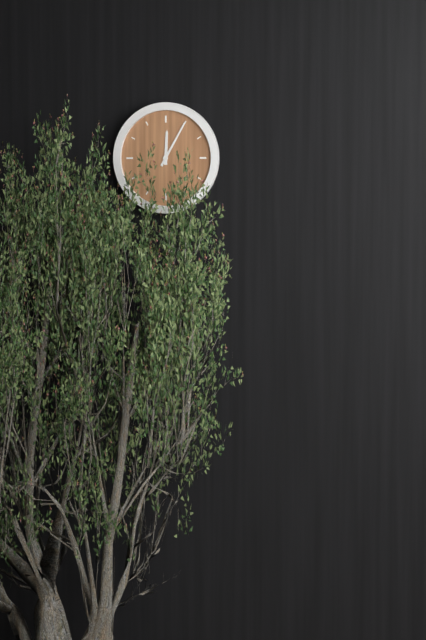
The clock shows 12:05
